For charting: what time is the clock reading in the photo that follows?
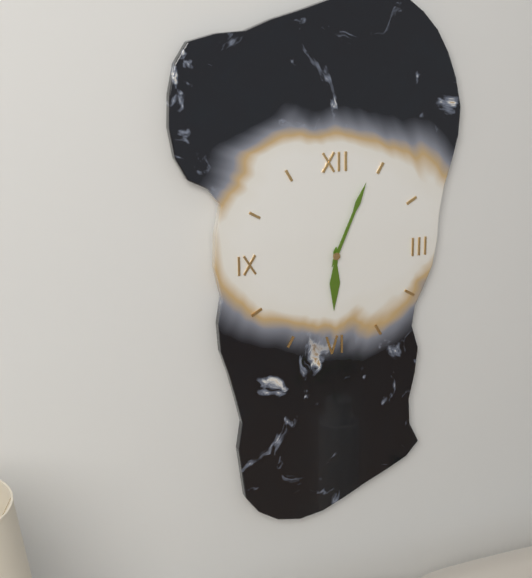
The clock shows 6:04
